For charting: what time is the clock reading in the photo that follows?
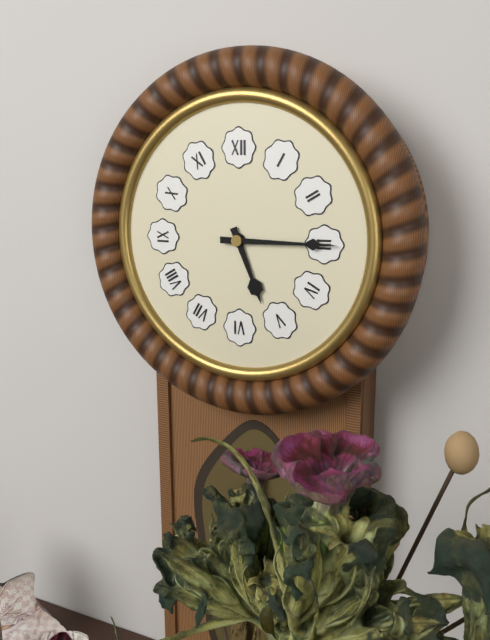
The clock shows 5:15
